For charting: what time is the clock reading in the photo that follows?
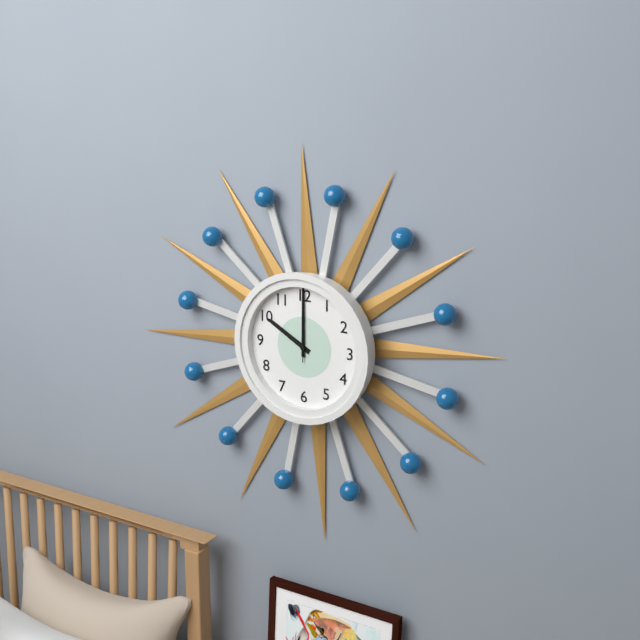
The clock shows 10:00:00
